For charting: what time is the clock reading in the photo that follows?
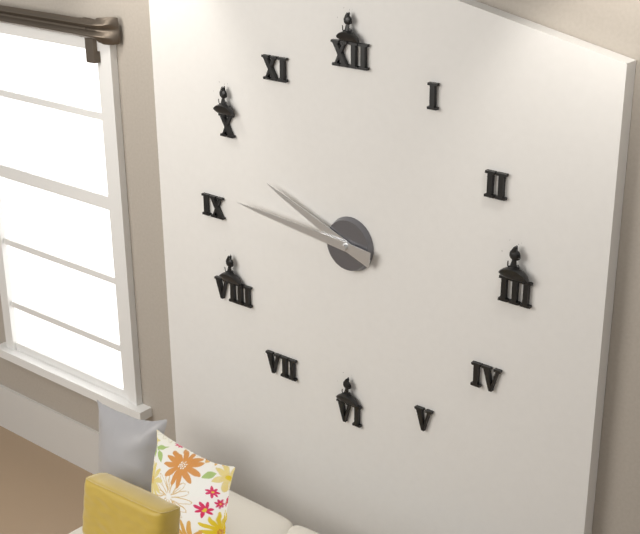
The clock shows 9:46
